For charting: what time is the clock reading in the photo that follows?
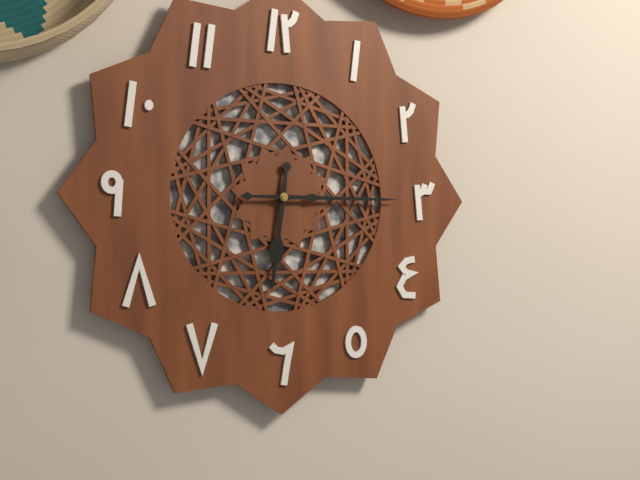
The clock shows 6:15
